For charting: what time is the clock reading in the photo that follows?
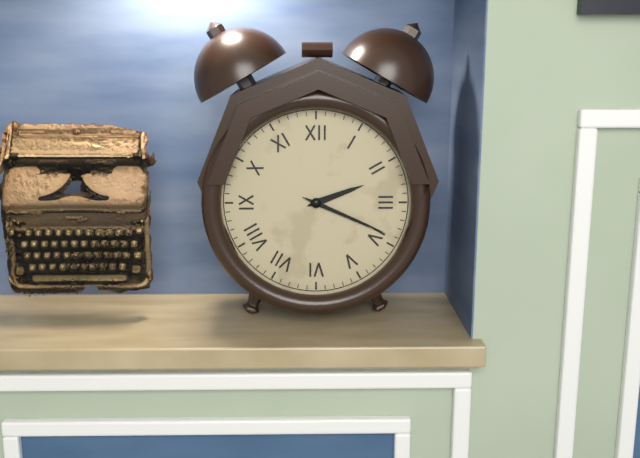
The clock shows 2:19
